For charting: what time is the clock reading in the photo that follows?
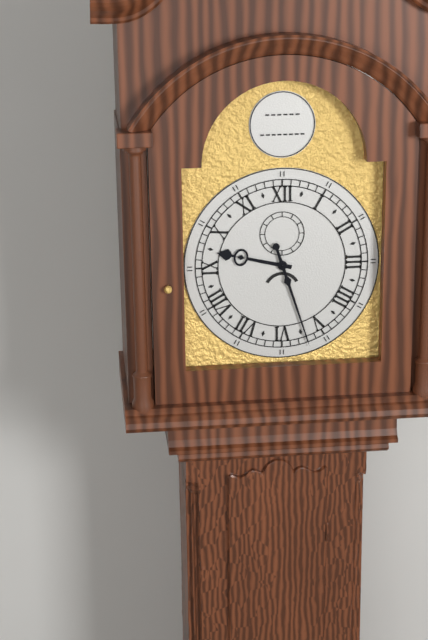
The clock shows 9:27
